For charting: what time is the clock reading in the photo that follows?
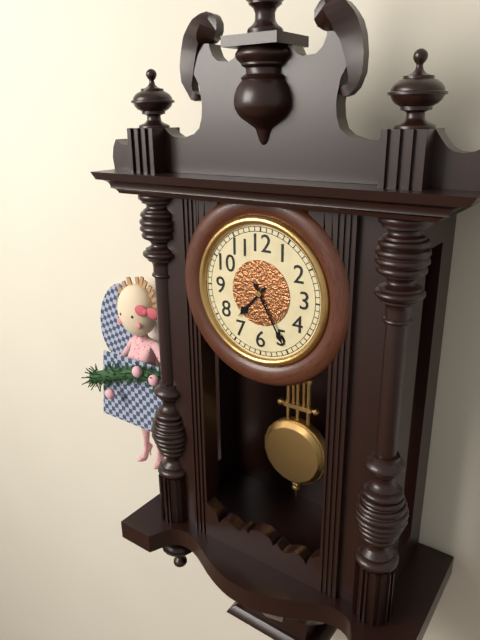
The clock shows 7:25
